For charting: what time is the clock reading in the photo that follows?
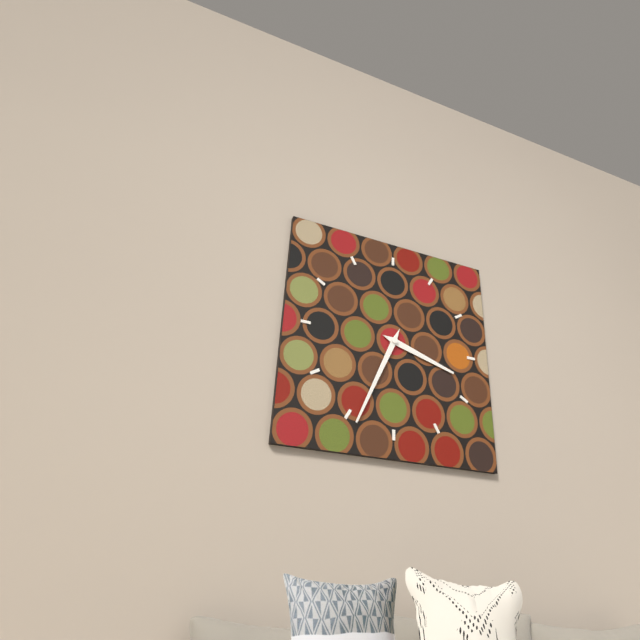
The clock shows 3:34
